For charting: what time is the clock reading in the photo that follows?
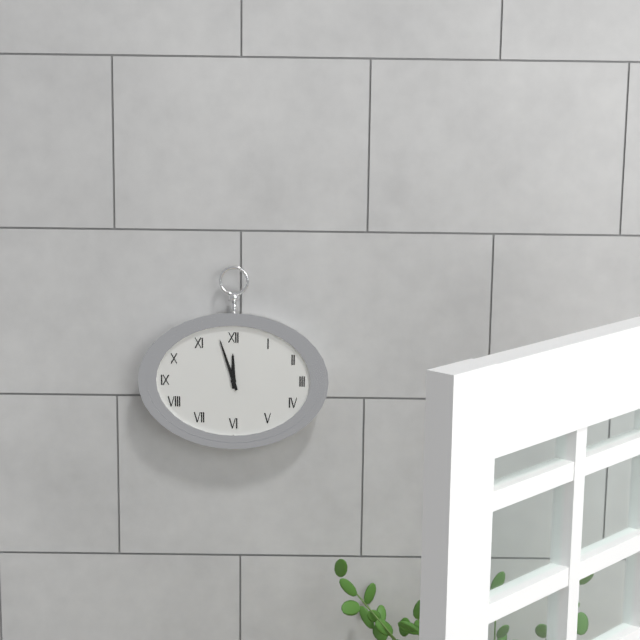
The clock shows 11:57
